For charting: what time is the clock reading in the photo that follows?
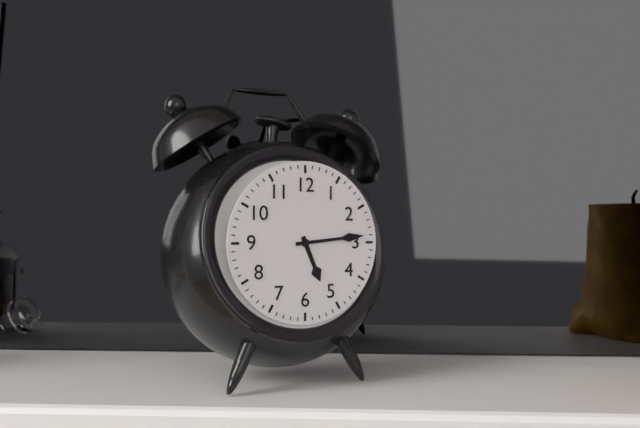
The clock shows 5:14
